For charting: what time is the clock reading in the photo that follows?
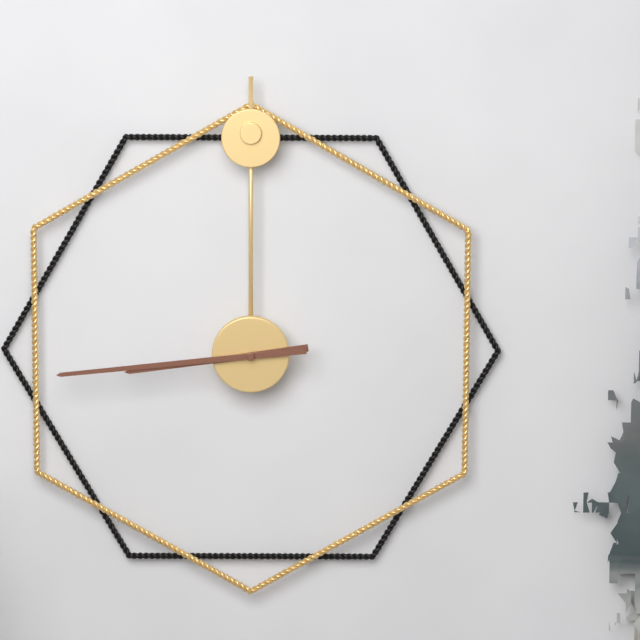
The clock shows 8:44
